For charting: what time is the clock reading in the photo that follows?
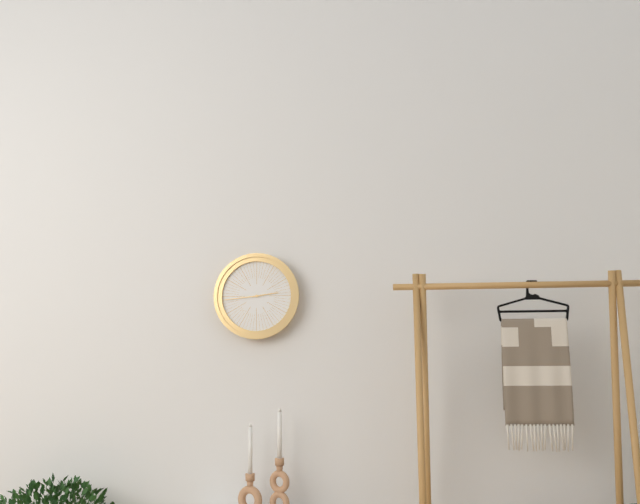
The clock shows 2:44
